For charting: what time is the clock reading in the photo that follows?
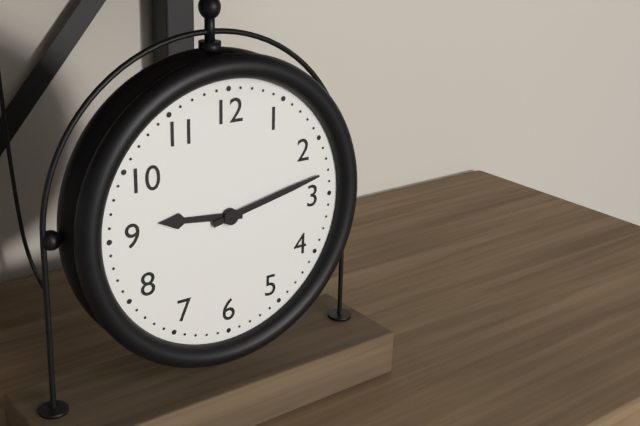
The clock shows 9:13
